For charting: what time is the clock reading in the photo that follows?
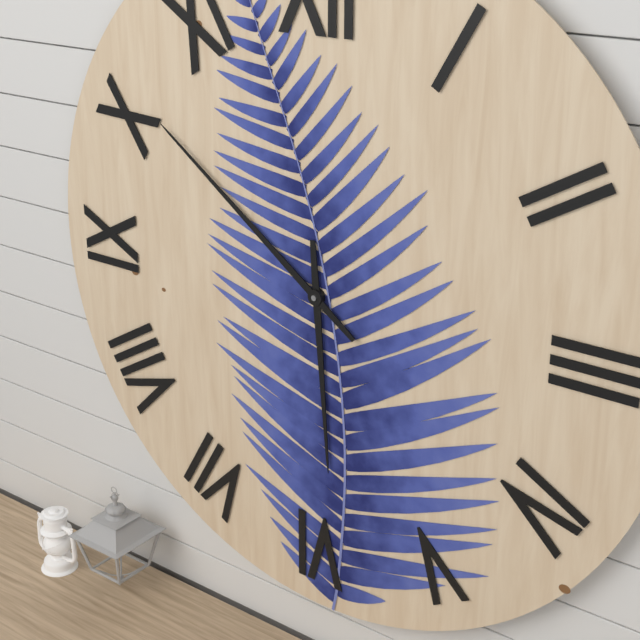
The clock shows 5:51
